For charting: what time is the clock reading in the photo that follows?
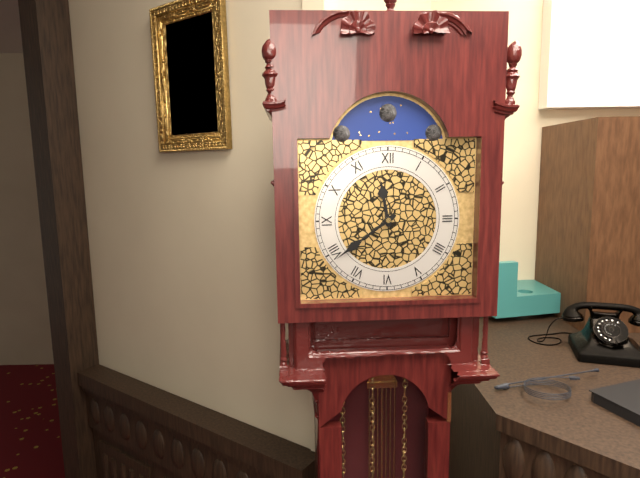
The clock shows 11:39
